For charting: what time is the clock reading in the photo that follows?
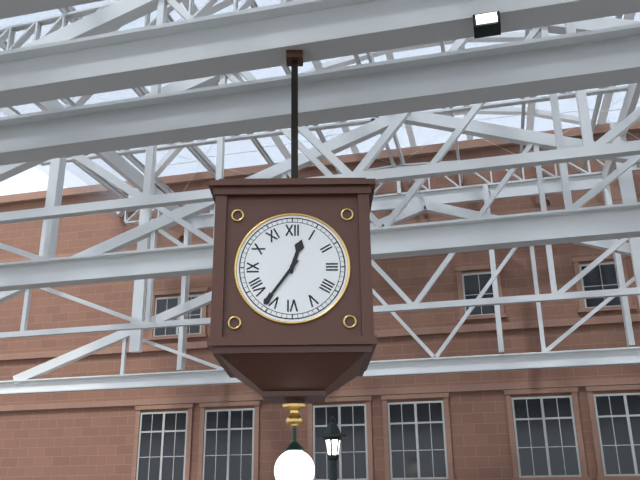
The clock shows 12:36
